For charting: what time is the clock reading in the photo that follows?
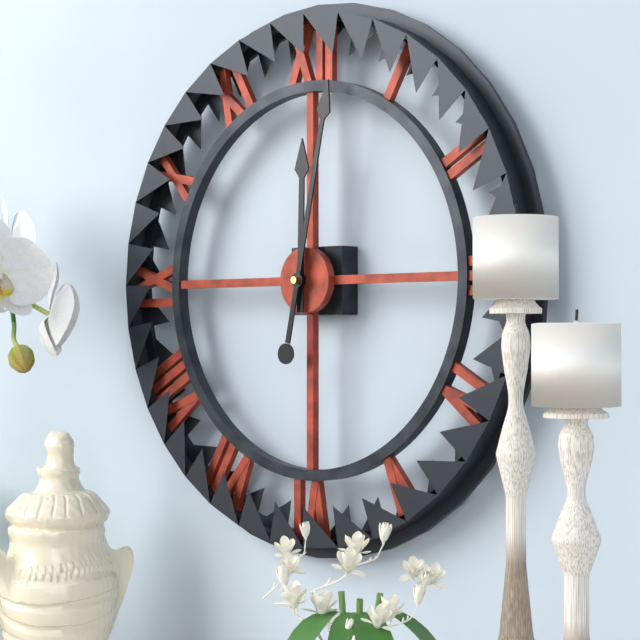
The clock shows 12:02
